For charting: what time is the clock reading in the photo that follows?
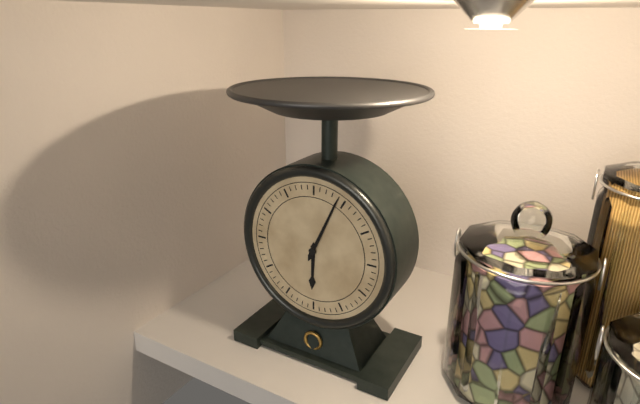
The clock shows 6:04
